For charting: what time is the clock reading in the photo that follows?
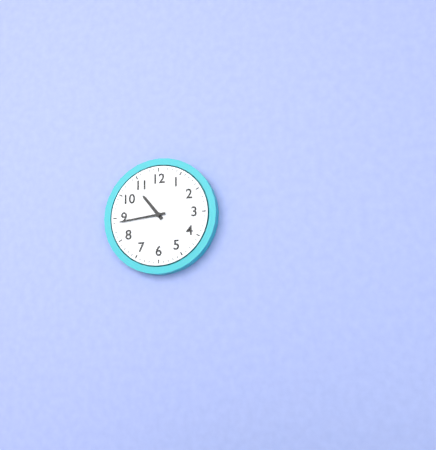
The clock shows 10:44
